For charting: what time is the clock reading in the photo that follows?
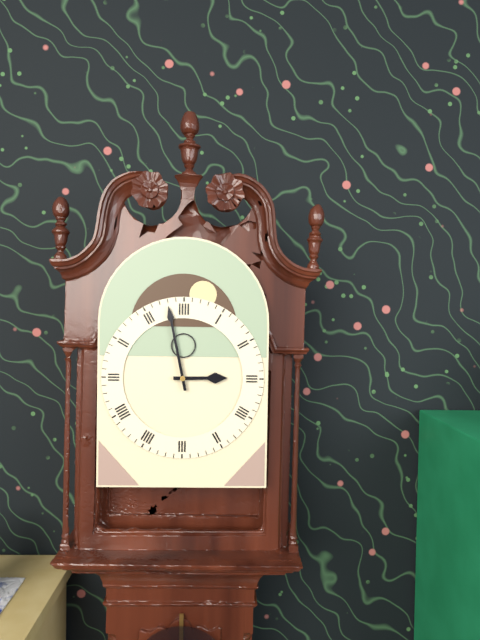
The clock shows 2:58
